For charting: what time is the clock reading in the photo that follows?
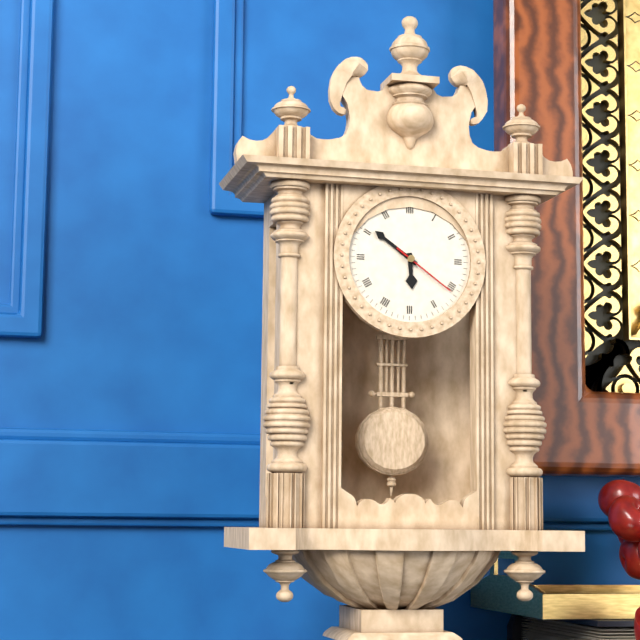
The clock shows 5:51:21
